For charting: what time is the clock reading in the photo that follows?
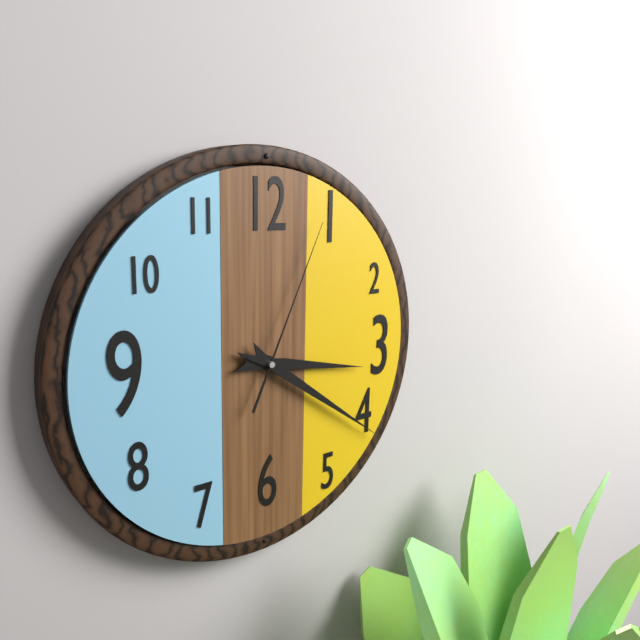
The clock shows 3:21:04
